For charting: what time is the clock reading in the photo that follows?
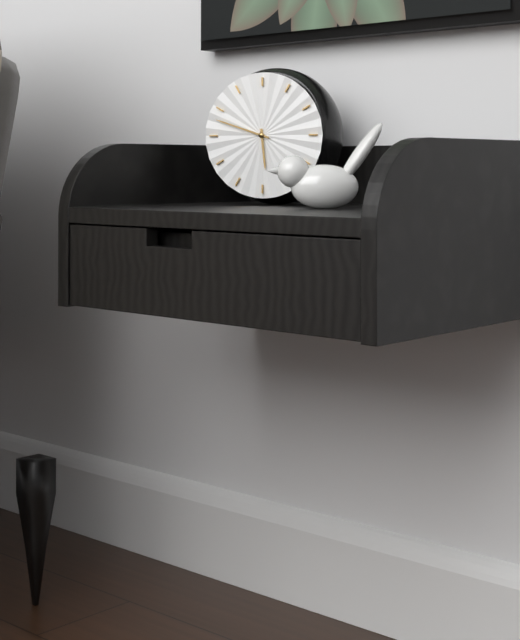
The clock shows 5:48
